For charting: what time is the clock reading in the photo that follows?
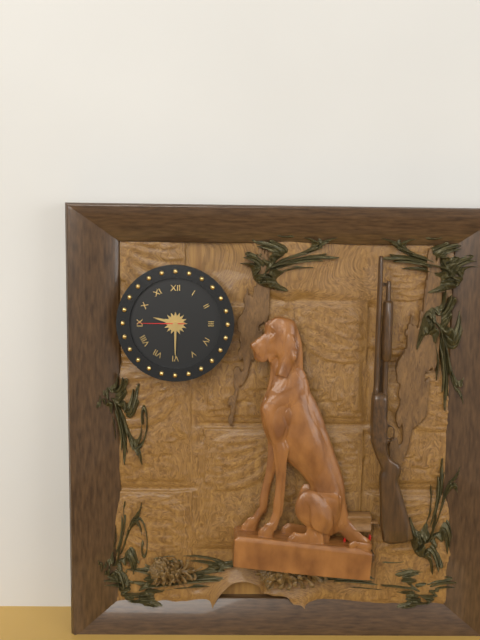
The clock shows 9:30
